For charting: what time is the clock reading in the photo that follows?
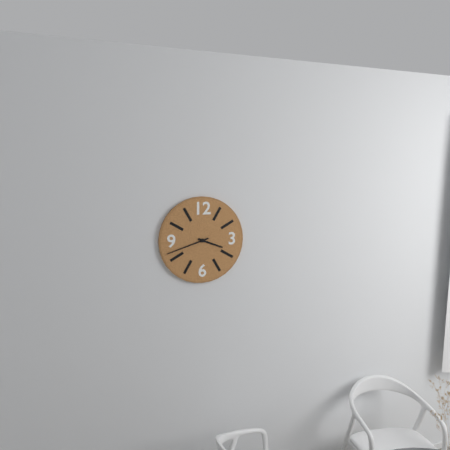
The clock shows 3:42
